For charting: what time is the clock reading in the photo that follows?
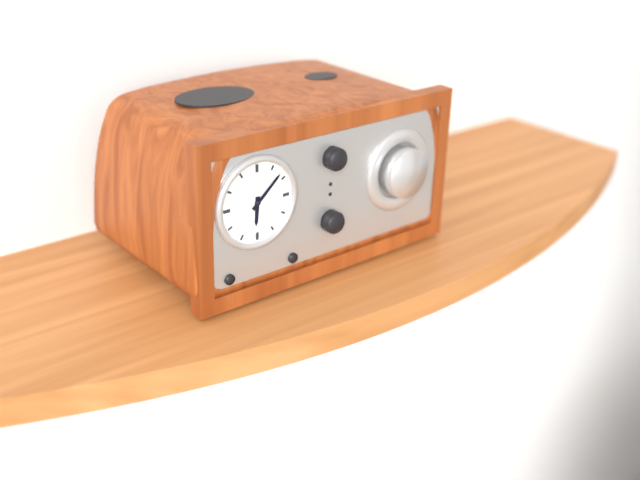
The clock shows 6:08
